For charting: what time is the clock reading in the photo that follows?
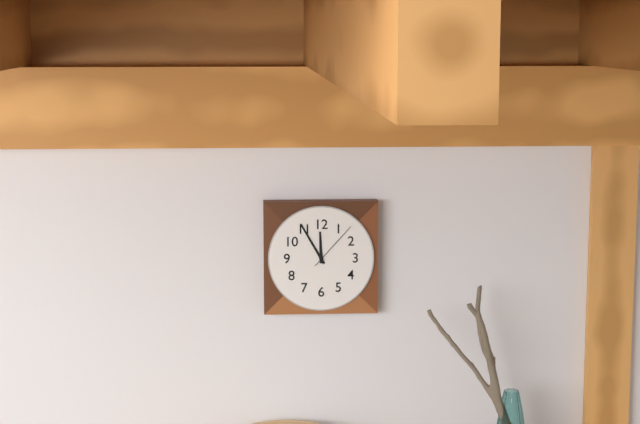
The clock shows 11:55:07
